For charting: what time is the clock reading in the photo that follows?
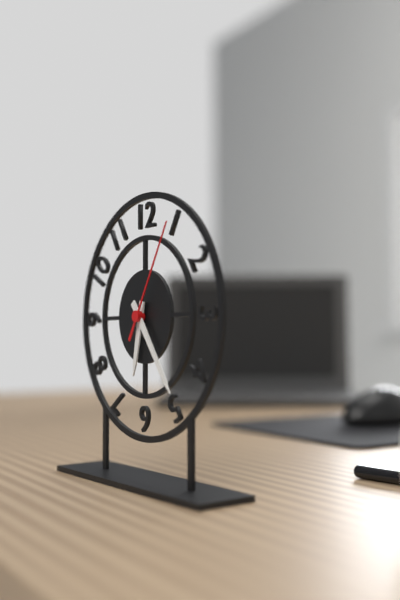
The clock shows 6:24:05
